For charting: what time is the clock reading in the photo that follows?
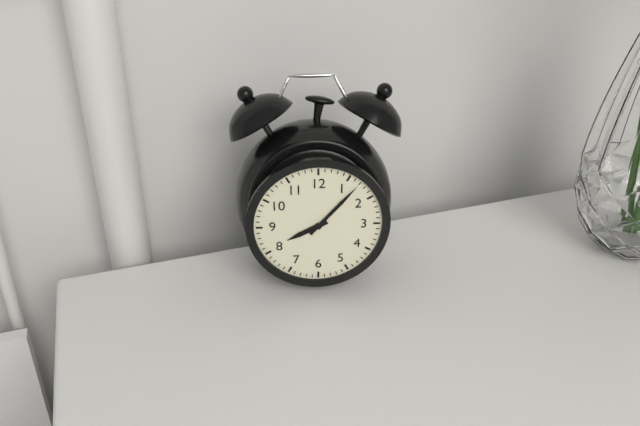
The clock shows 8:07
